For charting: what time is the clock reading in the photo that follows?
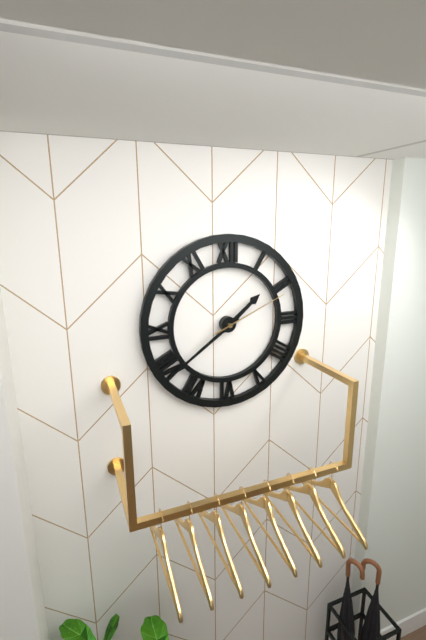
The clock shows 1:39:11
